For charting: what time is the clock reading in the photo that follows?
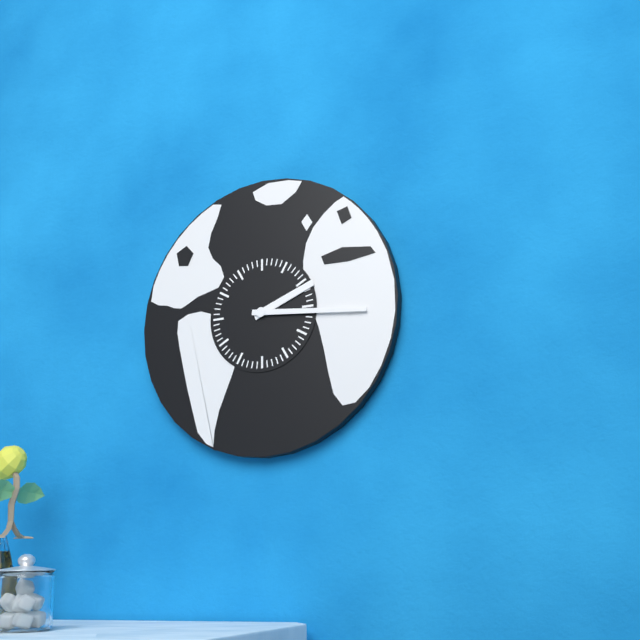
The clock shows 2:16
